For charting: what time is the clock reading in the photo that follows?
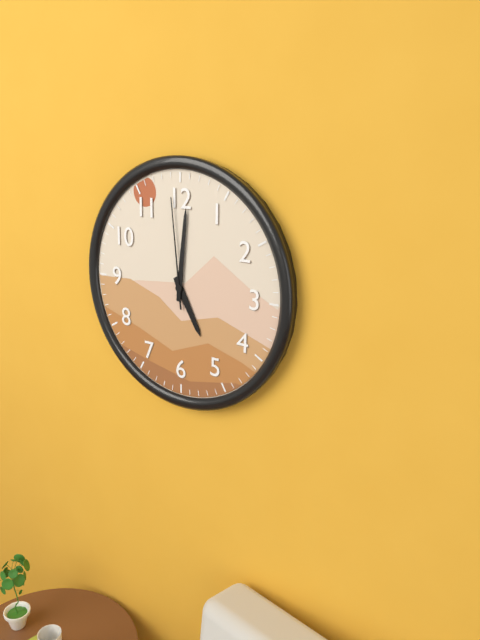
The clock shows 5:01:59
